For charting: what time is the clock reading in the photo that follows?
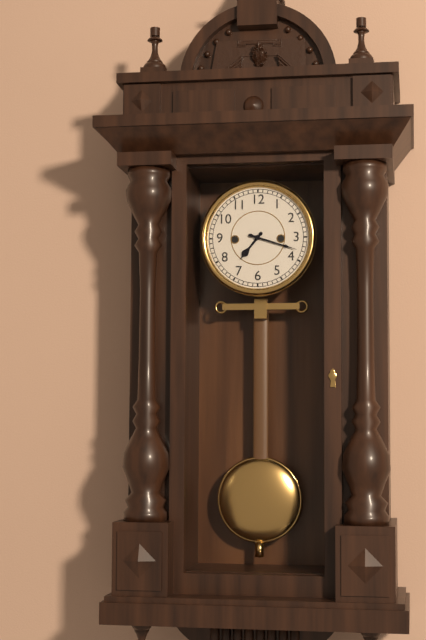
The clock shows 7:18
